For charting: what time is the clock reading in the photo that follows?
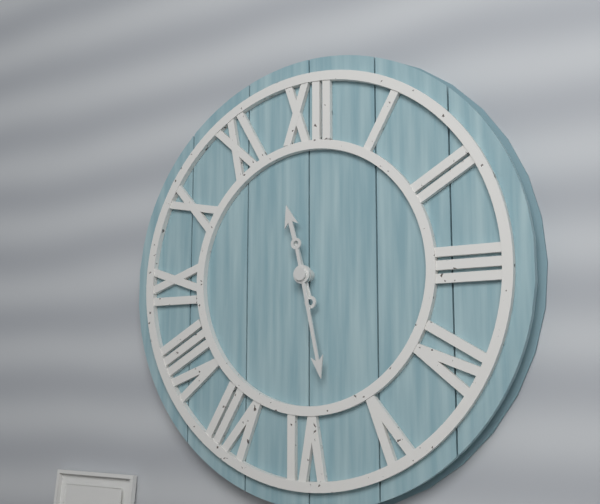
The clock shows 11:28
